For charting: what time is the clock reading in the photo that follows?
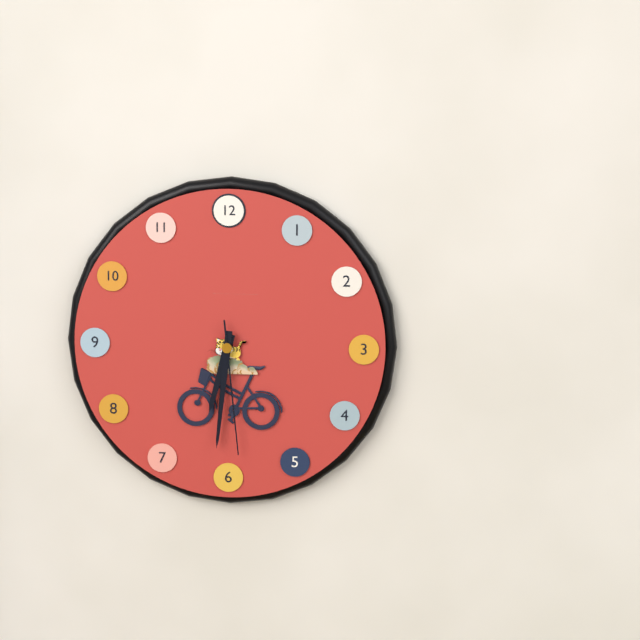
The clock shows 6:31:29
